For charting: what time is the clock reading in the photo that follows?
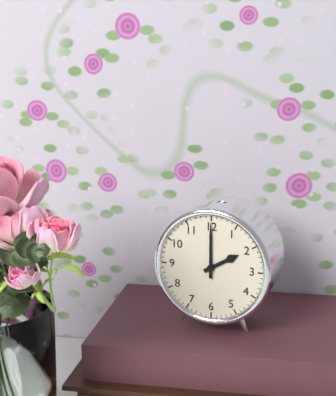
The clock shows 2:00
